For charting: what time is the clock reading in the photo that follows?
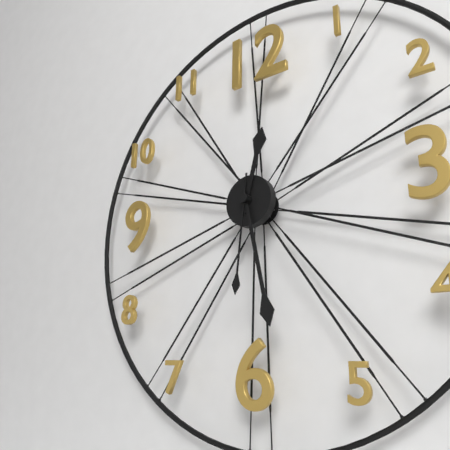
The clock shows 12:28:31
